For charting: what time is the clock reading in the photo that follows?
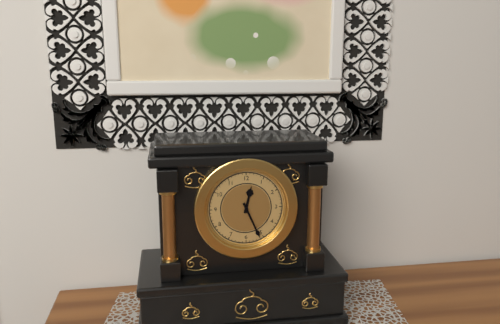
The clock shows 12:26
